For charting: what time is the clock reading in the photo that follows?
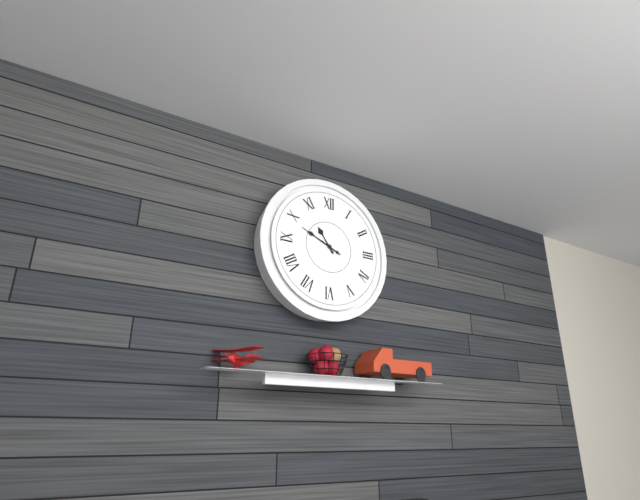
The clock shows 10:49
